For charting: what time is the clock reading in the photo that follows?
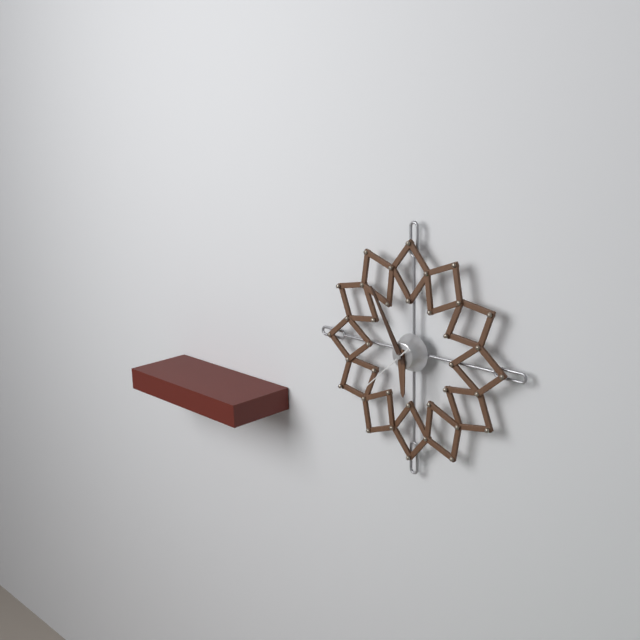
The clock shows 5:55:38
